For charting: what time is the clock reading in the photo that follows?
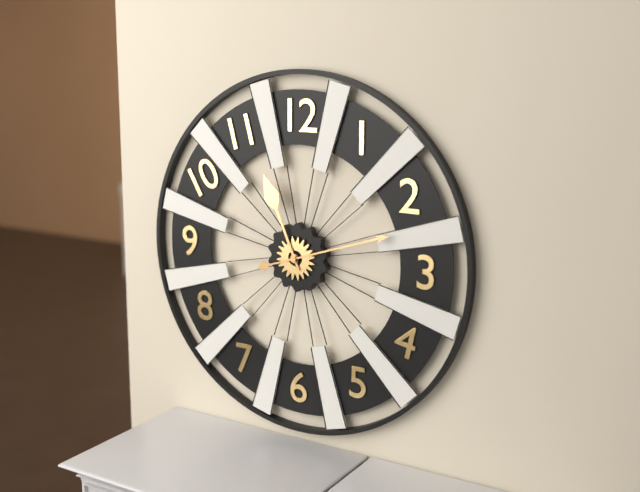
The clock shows 11:12
